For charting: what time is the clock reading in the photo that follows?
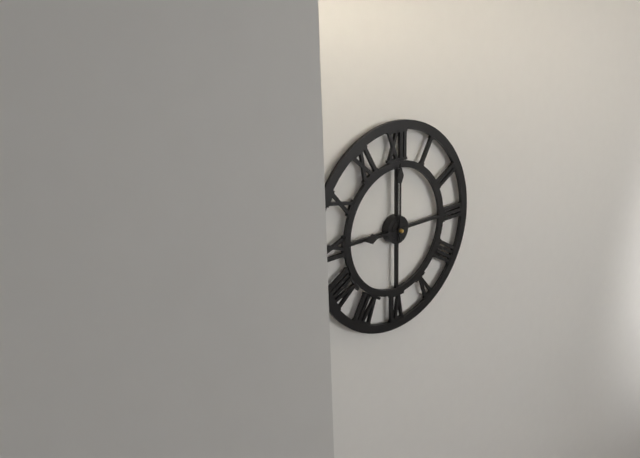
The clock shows 9:00
